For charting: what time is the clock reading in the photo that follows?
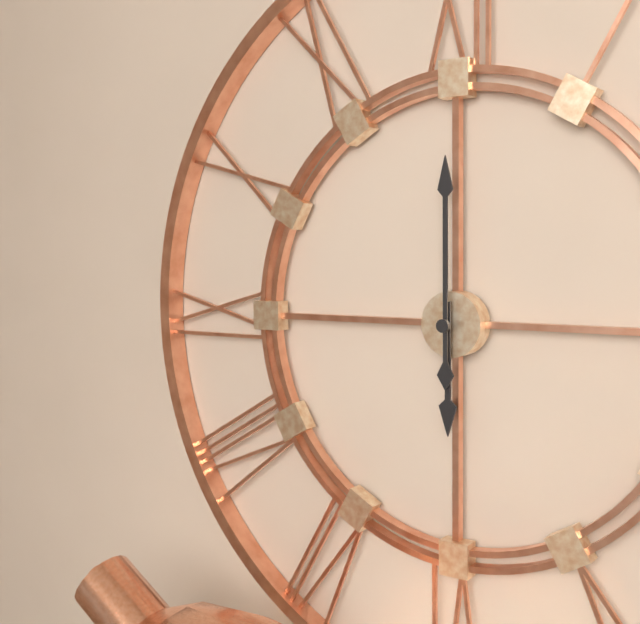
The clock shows 6:00
